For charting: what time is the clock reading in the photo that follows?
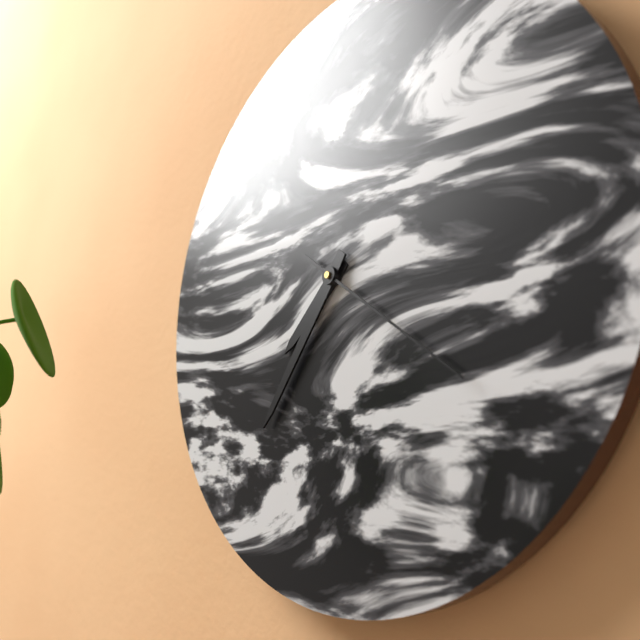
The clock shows 7:36:21
